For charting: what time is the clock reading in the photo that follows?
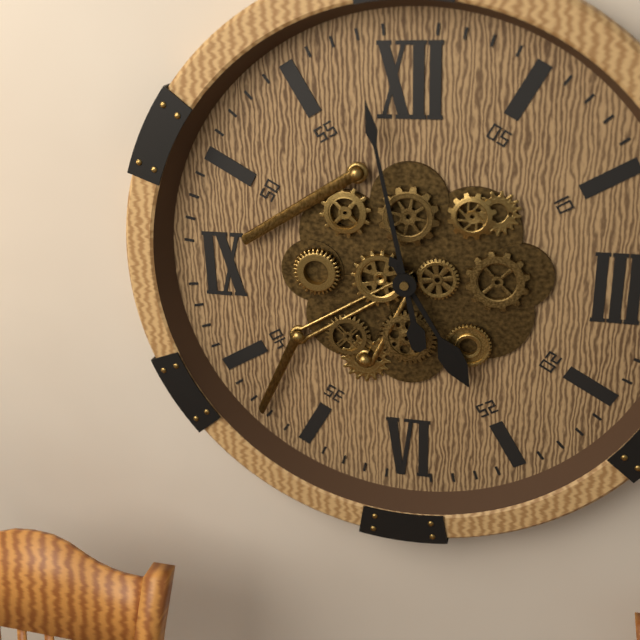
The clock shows 4:58
